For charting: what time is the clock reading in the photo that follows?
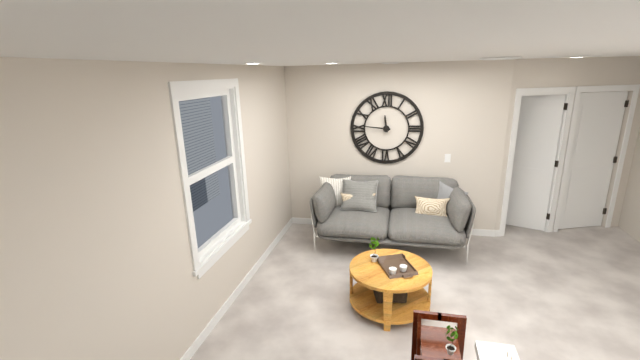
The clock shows 11:46
